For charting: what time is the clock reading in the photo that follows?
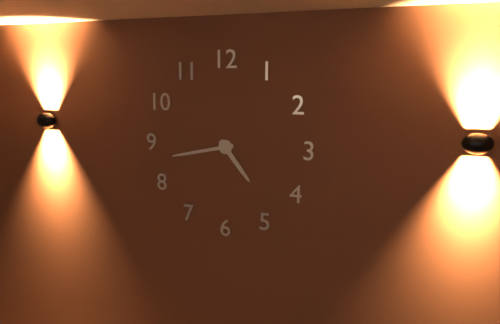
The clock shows 4:43
